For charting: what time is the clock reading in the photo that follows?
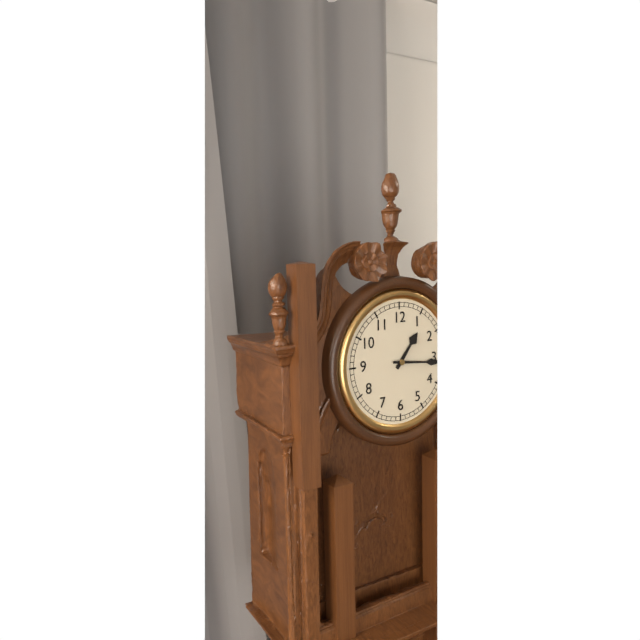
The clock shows 1:16
